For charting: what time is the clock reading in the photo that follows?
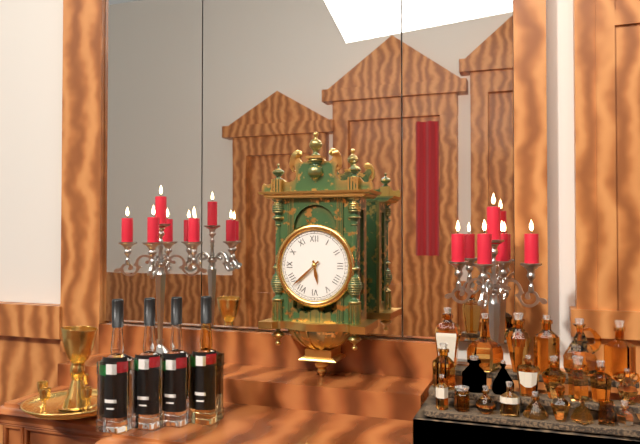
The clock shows 5:38
